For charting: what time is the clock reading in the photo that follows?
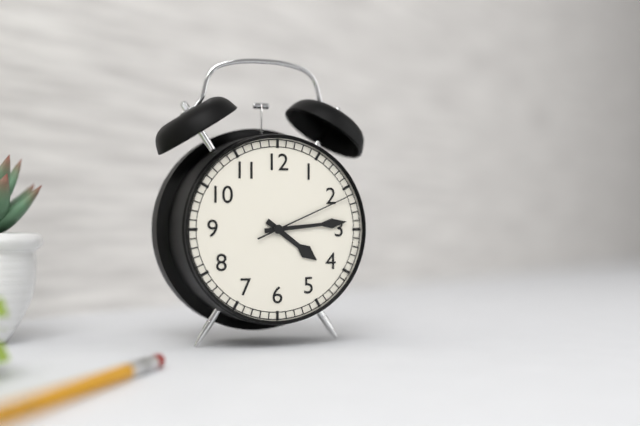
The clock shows 4:14:11
